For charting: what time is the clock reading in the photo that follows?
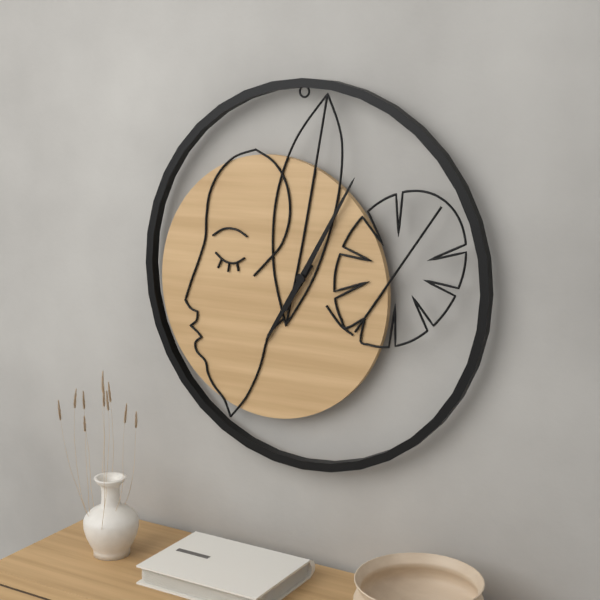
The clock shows 7:05
